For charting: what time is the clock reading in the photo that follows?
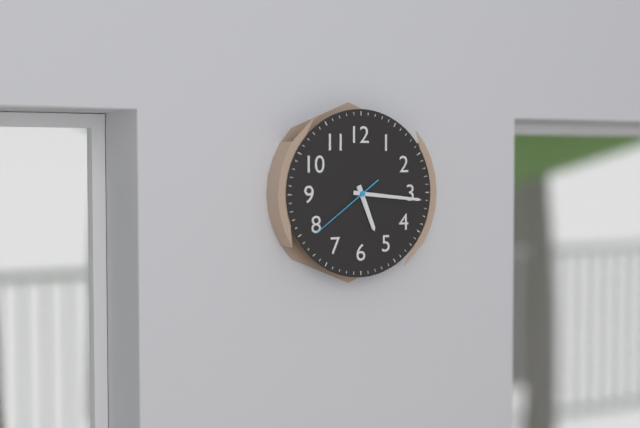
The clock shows 5:16:39
